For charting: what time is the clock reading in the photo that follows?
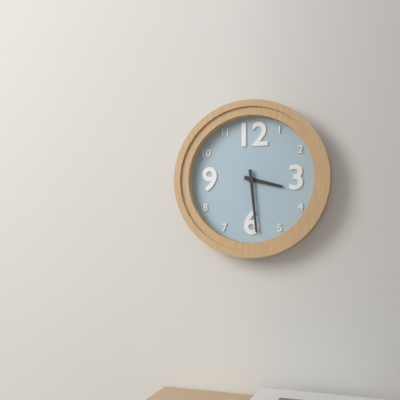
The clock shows 3:29
